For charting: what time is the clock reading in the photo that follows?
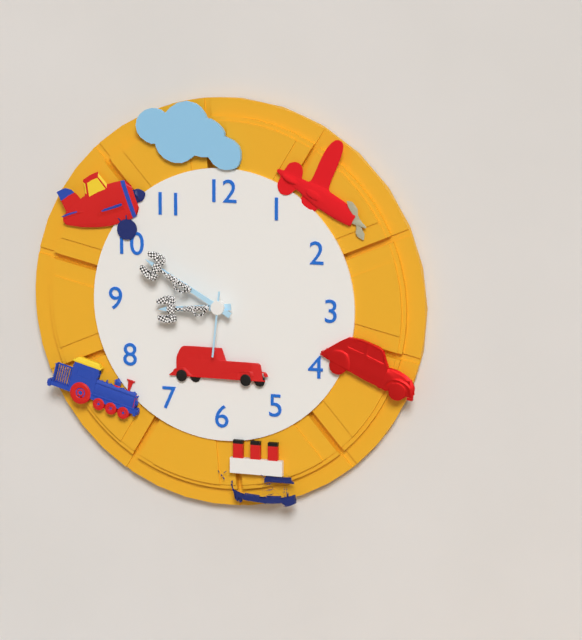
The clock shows 8:50:31
